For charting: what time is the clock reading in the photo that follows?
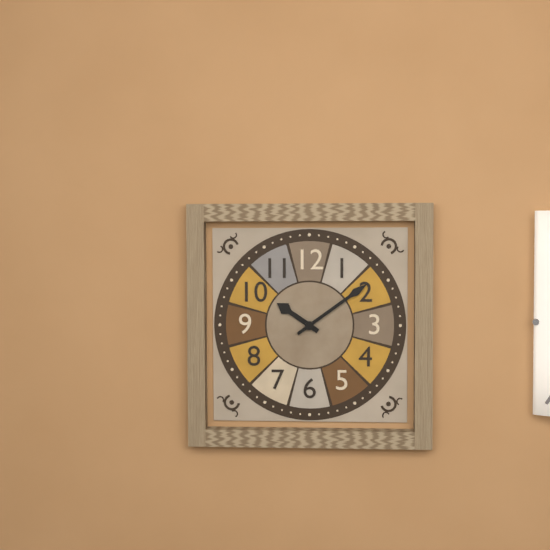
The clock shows 10:09
